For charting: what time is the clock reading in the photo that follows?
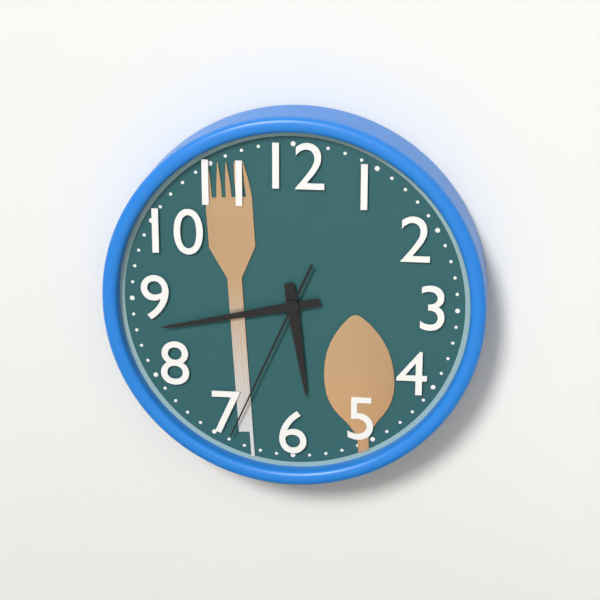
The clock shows 5:43:34
